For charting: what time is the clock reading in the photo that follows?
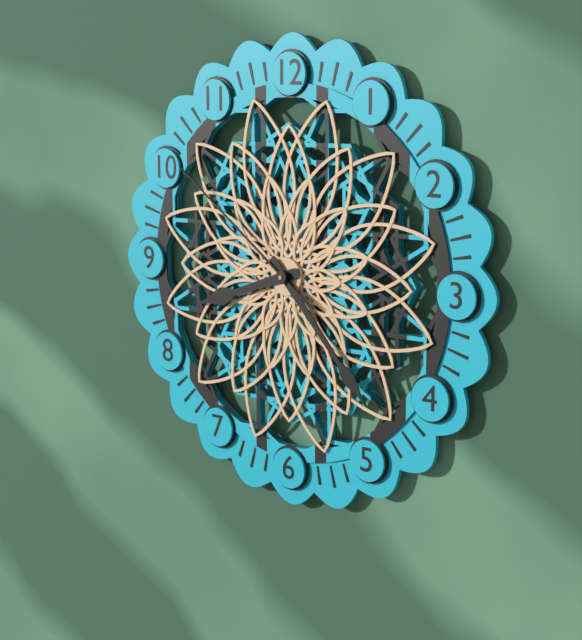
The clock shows 8:23:51
